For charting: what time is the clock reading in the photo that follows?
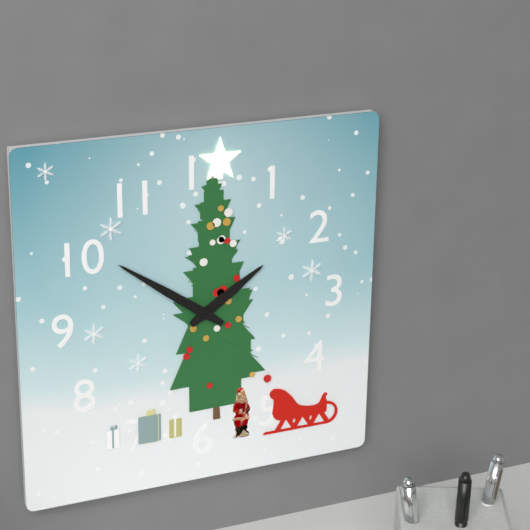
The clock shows 1:51
